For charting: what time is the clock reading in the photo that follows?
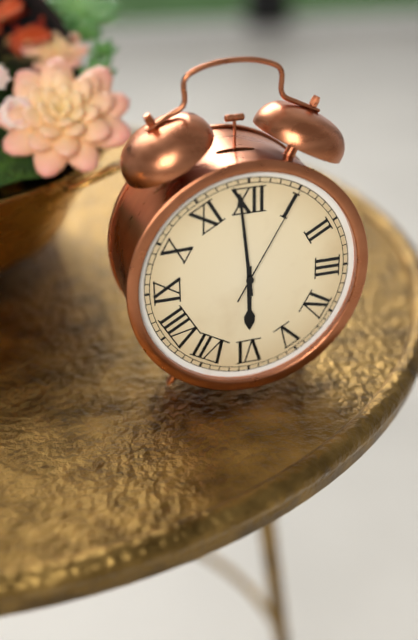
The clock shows 5:59:05
